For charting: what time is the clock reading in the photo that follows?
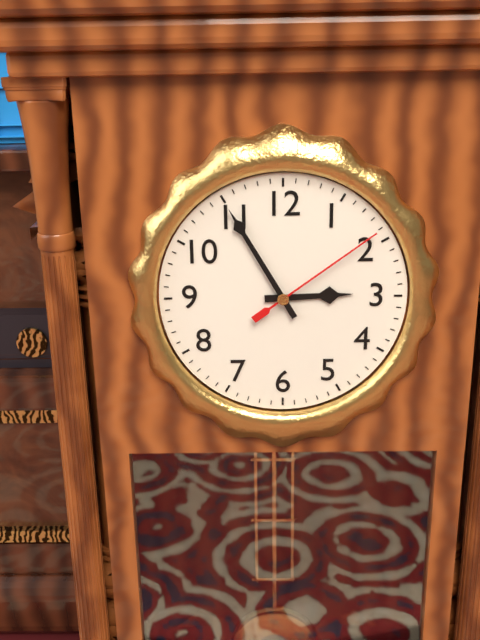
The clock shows 2:55:09
